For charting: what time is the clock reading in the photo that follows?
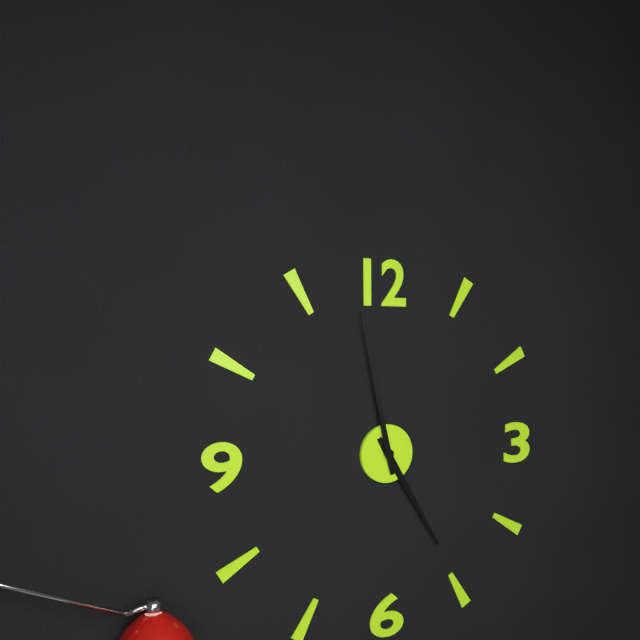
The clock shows 4:58
